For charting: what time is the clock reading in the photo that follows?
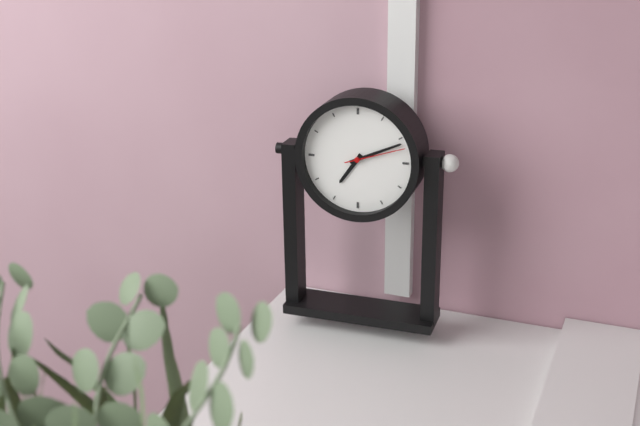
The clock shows 7:11:12
